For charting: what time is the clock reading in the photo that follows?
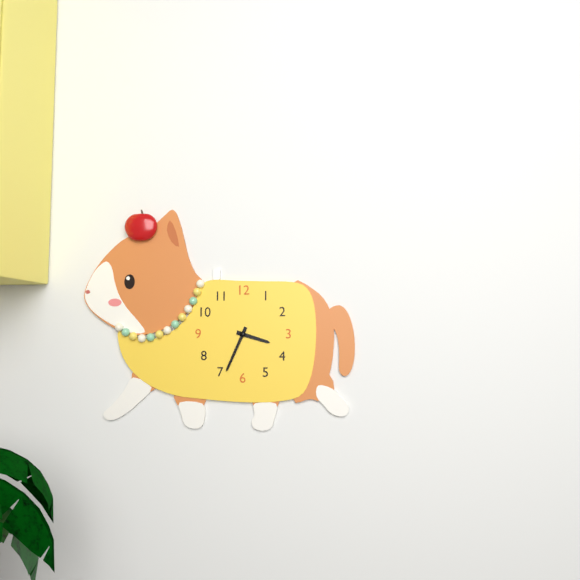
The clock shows 3:34
